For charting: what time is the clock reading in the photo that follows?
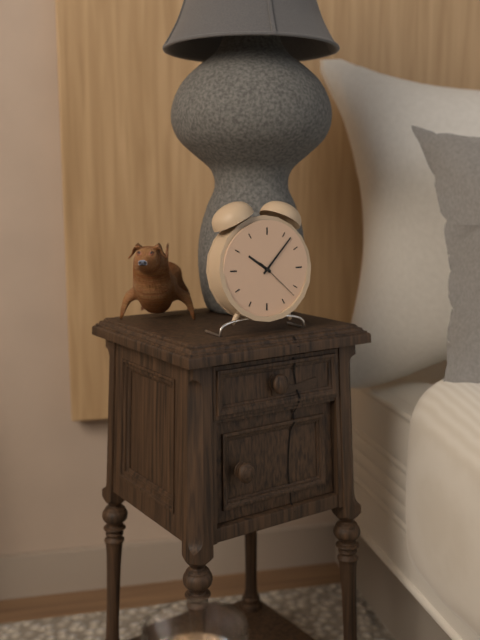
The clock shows 10:07
